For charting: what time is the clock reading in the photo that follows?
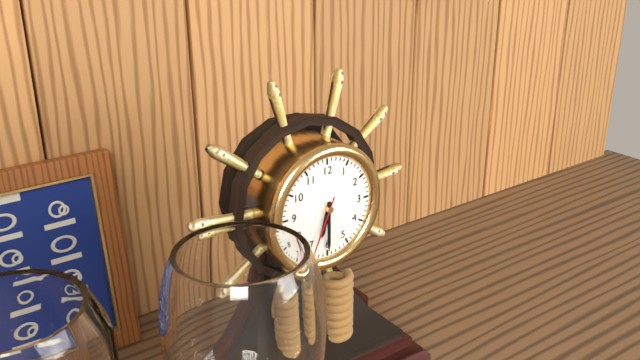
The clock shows 6:30:34
